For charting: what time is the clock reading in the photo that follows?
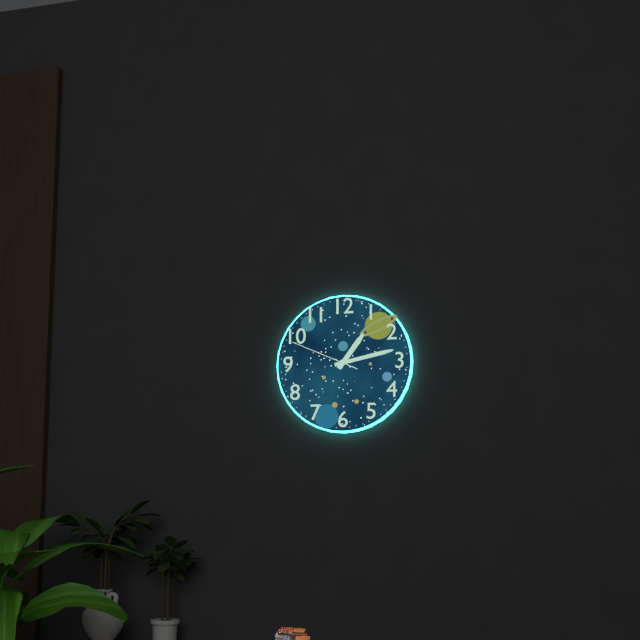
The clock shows 1:13:49
